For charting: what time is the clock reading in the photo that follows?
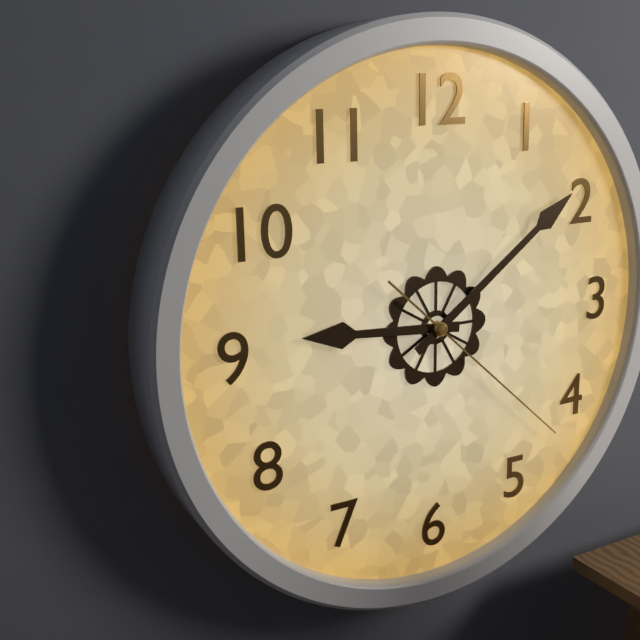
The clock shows 9:09:22
